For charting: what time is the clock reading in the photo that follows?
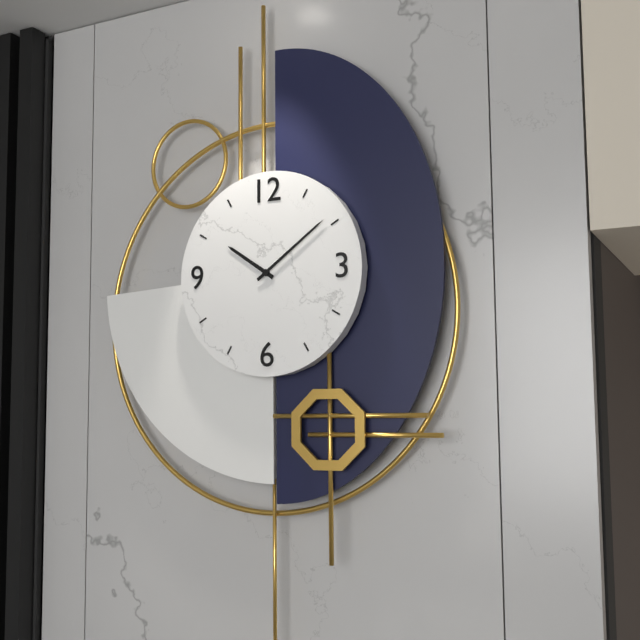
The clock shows 10:09
